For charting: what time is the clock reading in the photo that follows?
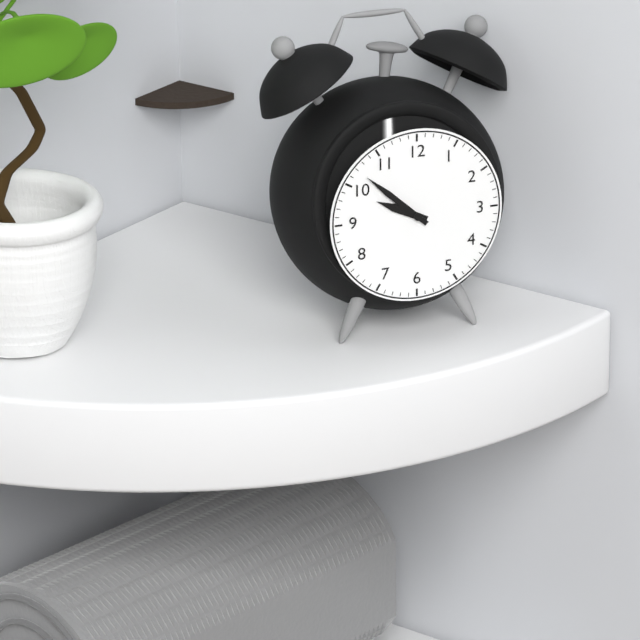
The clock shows 9:52
